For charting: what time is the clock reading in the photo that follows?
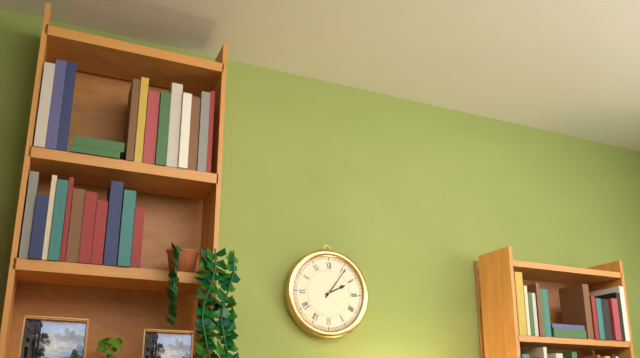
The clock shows 2:06
